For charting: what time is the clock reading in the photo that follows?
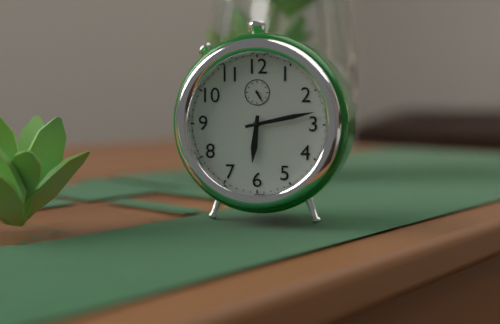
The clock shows 6:13
